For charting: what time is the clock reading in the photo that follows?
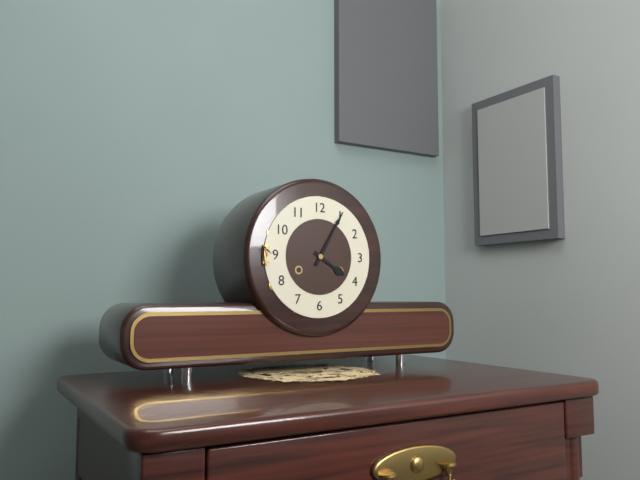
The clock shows 4:05
